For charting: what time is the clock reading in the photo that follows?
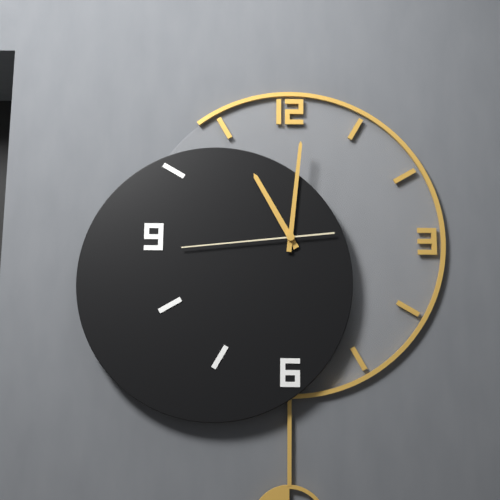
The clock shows 11:01:44
